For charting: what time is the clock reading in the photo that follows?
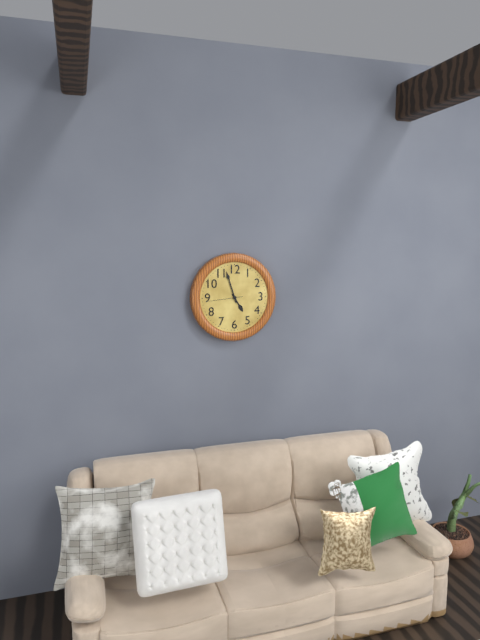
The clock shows 4:57
